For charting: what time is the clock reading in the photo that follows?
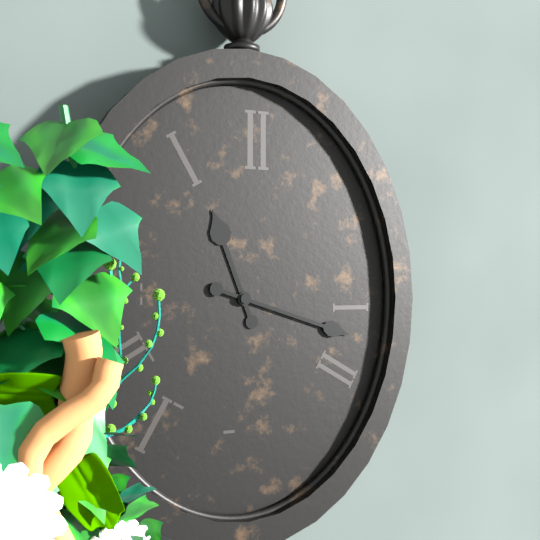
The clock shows 11:18
